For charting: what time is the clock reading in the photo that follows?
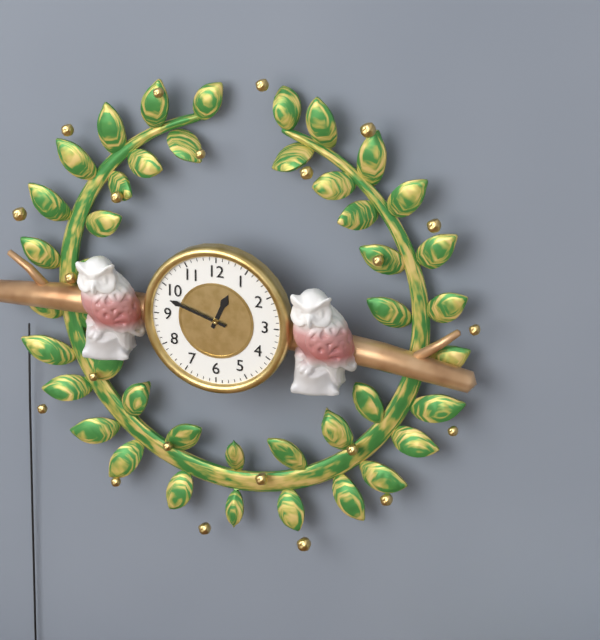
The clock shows 12:48
